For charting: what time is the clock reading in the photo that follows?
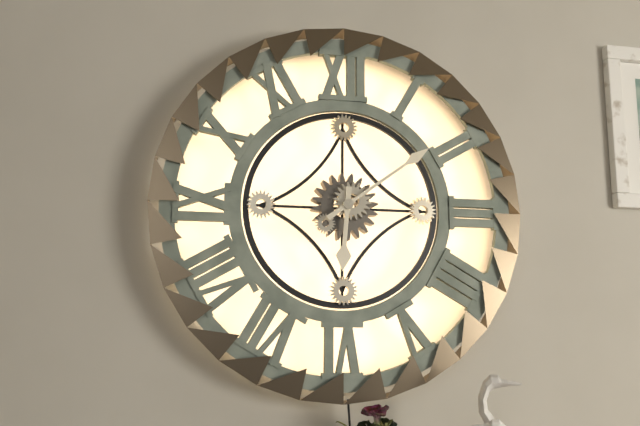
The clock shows 6:09
